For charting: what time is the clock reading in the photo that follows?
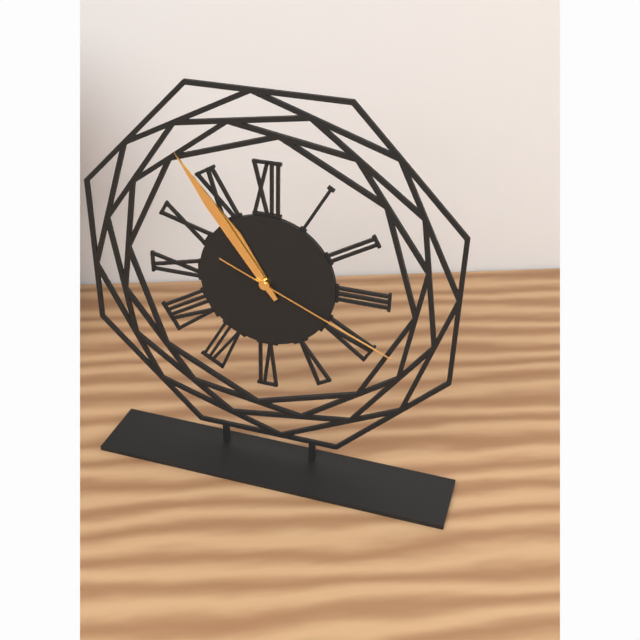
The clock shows 10:54:19
